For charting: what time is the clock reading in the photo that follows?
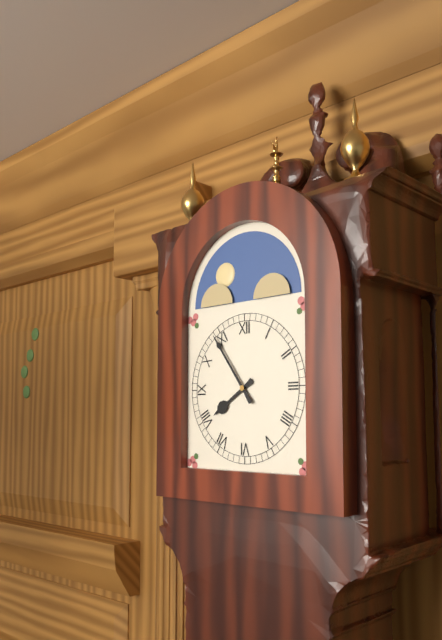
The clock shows 7:54
